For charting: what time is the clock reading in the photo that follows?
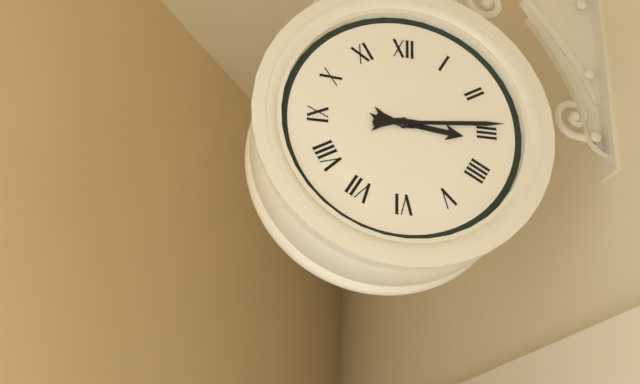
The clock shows 3:14
